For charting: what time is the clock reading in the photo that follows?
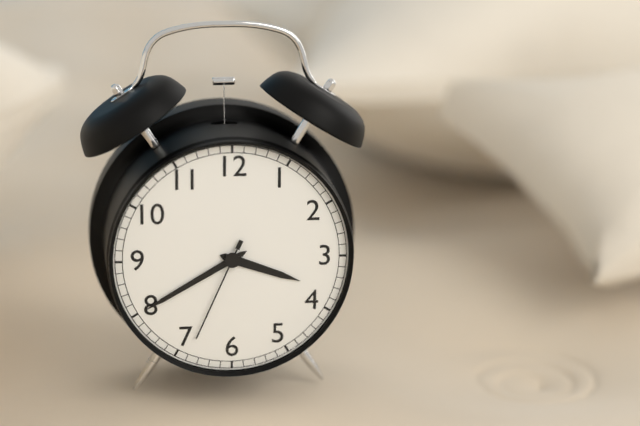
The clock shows 3:40:34
